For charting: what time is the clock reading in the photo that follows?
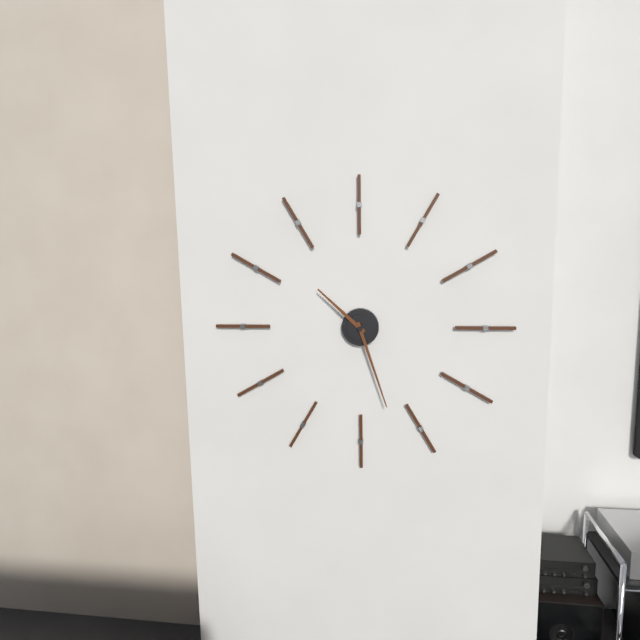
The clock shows 10:27
